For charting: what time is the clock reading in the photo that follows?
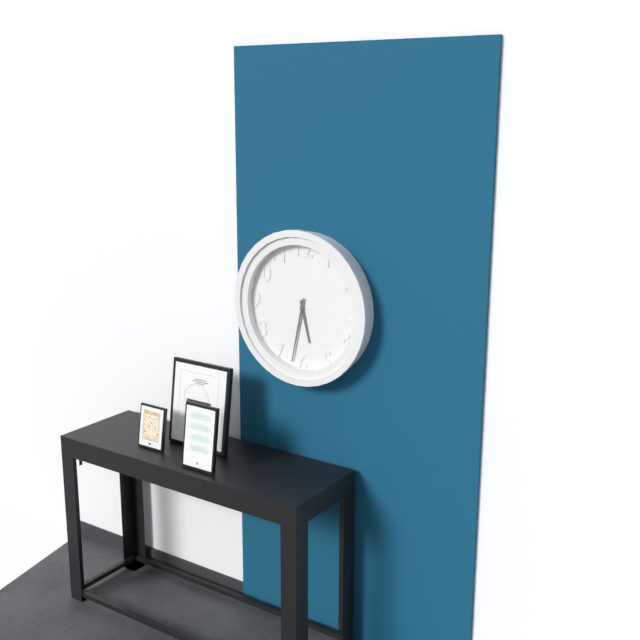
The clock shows 5:32
